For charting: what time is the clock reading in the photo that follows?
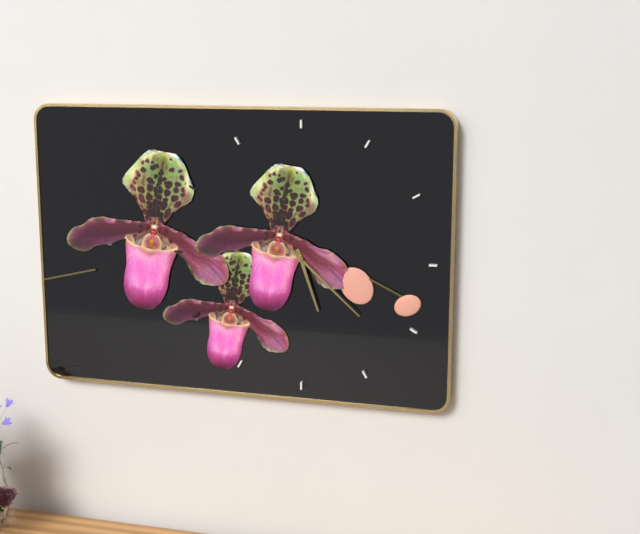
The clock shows 5:22
